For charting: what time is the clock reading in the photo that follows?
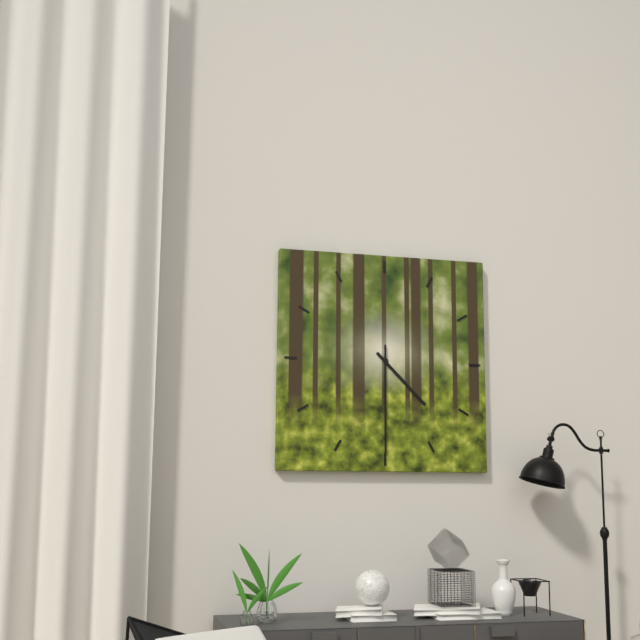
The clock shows 4:30
